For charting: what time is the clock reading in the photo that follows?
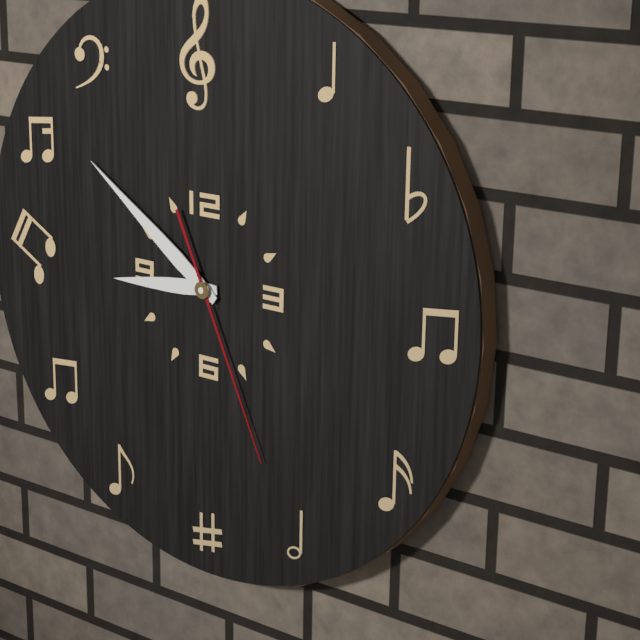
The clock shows 8:51:26
